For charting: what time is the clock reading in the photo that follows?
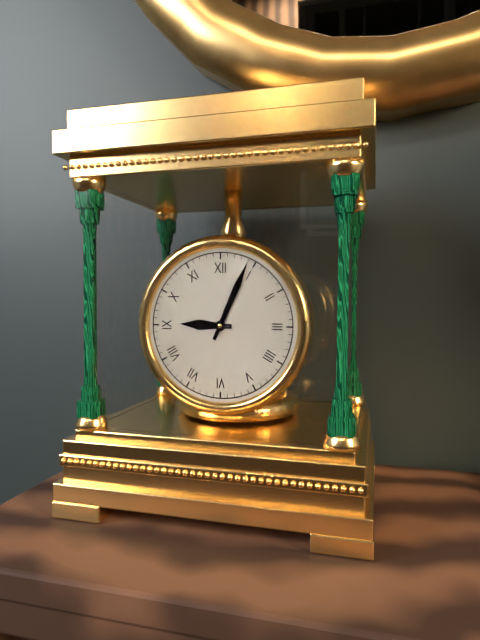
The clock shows 9:04
